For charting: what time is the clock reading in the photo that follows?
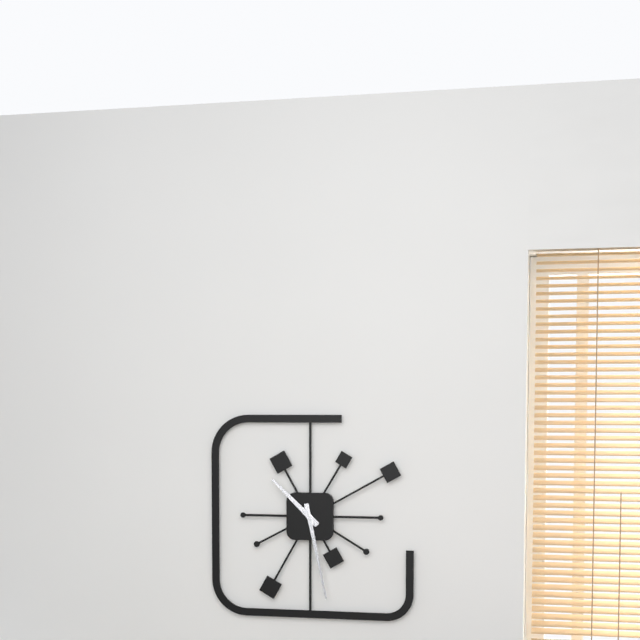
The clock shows 10:28
